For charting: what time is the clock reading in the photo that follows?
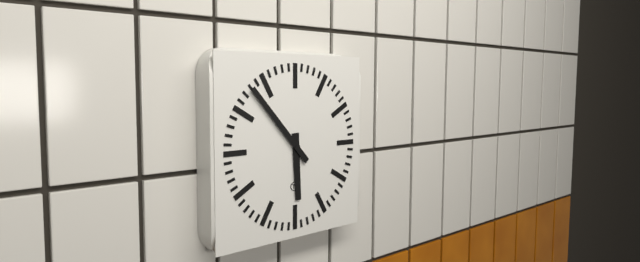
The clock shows 5:53
